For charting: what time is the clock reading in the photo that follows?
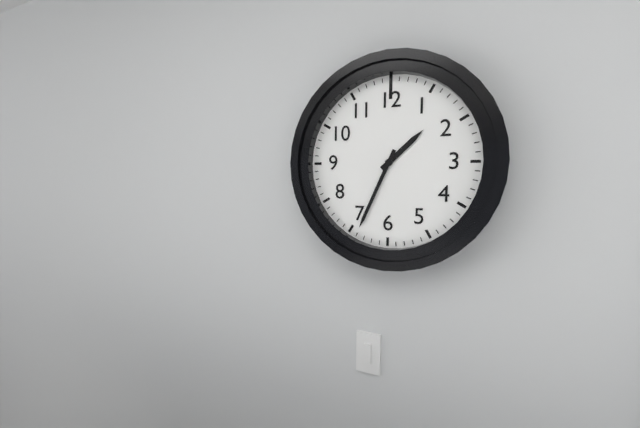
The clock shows 1:34
